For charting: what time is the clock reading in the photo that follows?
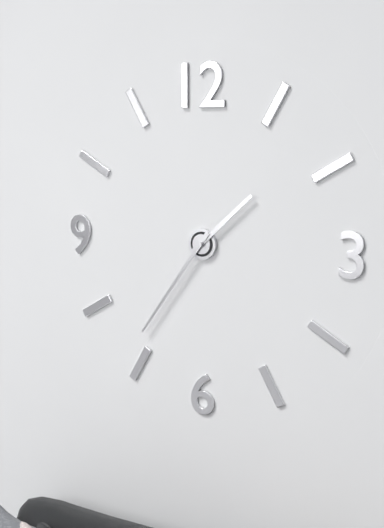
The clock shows 1:36
